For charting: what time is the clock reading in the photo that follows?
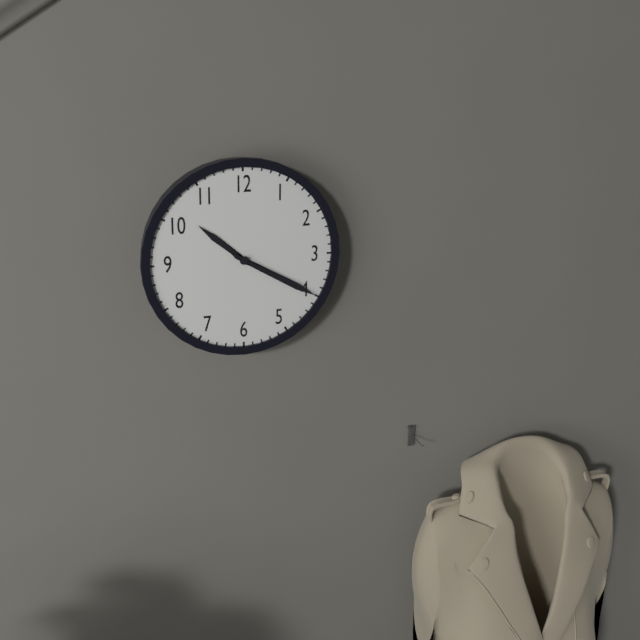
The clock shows 10:20
